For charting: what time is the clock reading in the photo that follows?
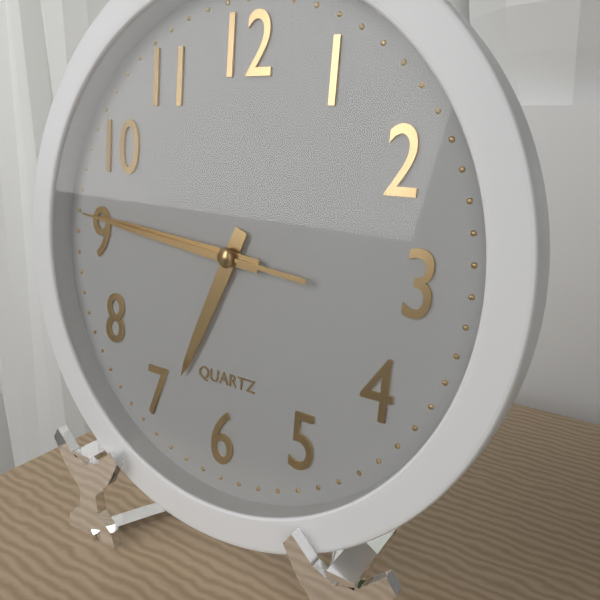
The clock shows 6:46:46
